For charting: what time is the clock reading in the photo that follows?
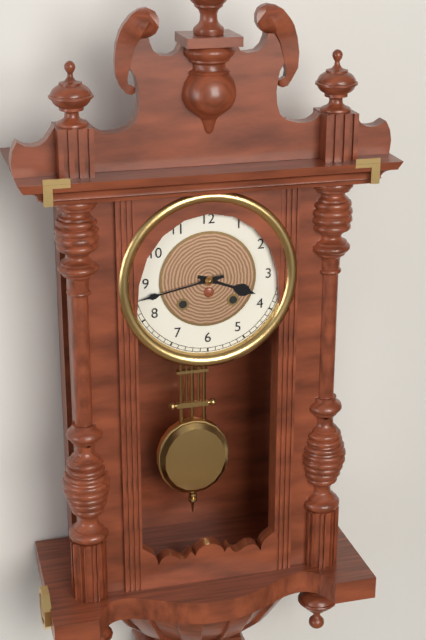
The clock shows 3:43
